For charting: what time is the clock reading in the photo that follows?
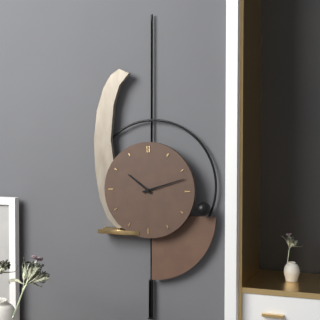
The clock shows 10:12
